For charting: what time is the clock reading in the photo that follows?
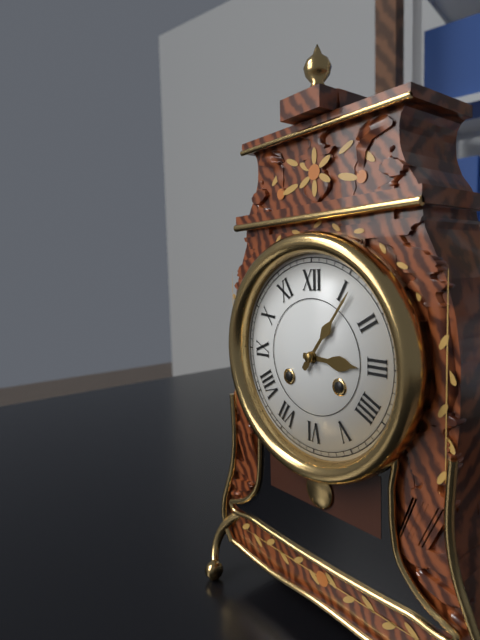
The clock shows 3:06
